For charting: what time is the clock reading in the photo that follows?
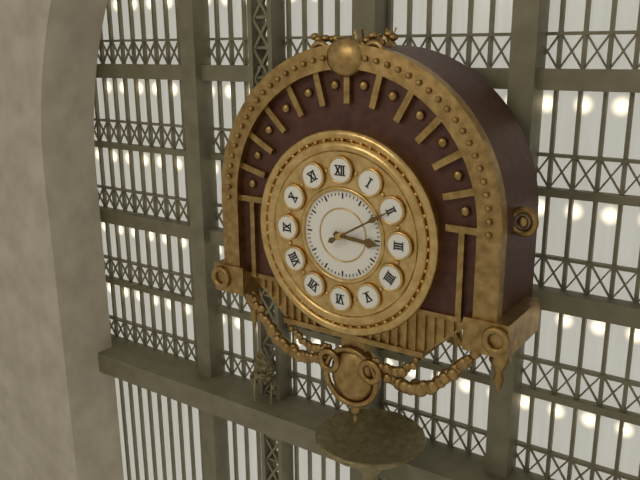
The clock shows 3:10
